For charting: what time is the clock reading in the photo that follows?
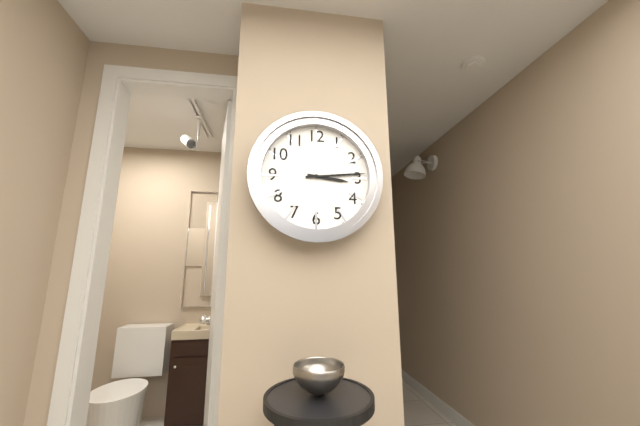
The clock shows 3:14
